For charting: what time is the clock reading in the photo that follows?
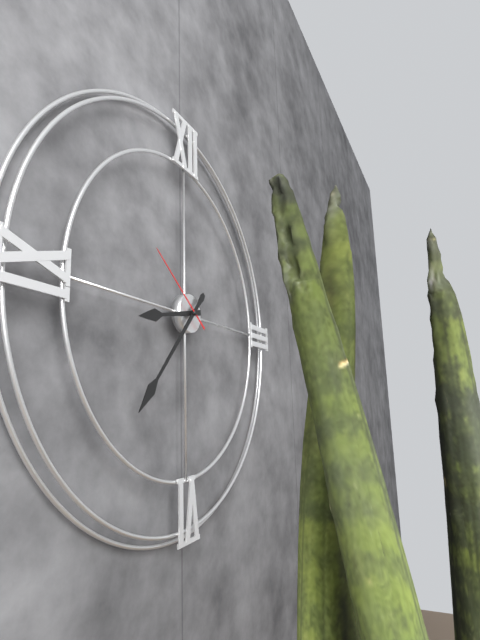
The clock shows 8:37:51
